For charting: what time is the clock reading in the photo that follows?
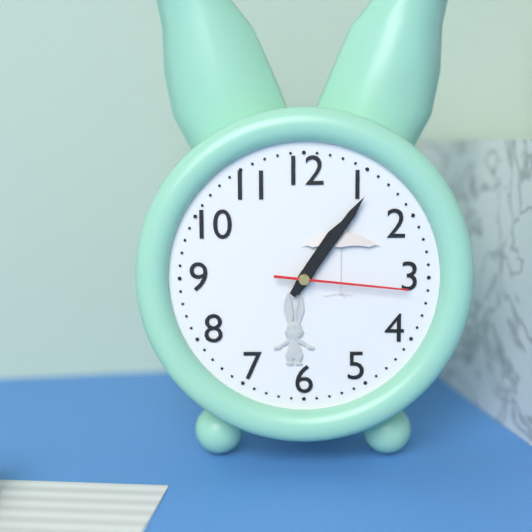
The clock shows 1:06:16
